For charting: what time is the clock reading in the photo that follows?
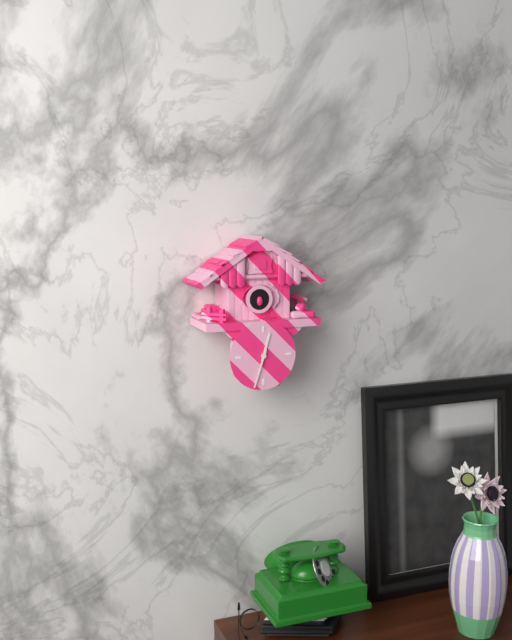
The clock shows 12:33
